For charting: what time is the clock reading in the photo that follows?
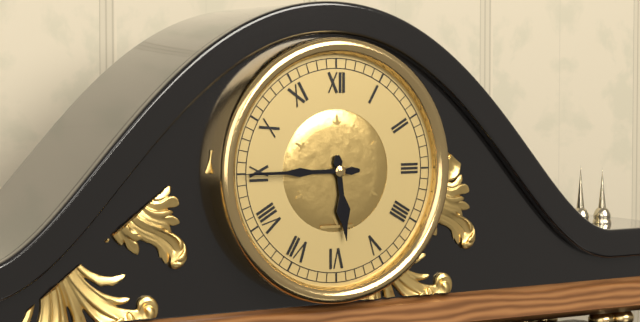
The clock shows 5:45
